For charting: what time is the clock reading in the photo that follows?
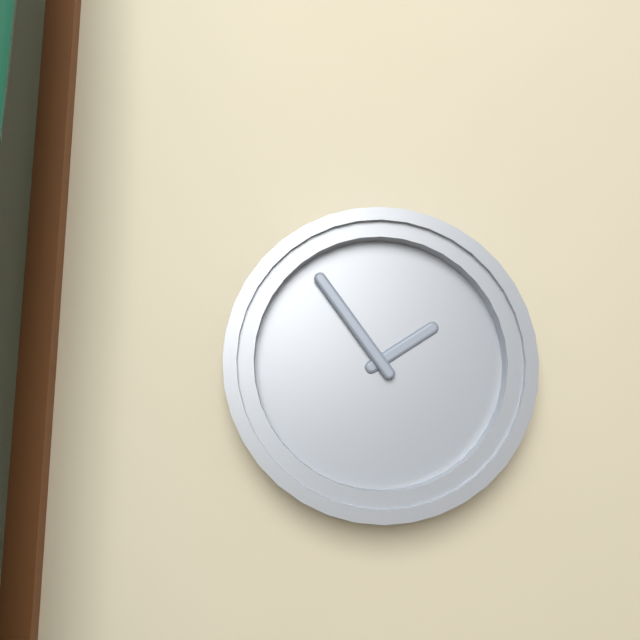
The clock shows 1:54
